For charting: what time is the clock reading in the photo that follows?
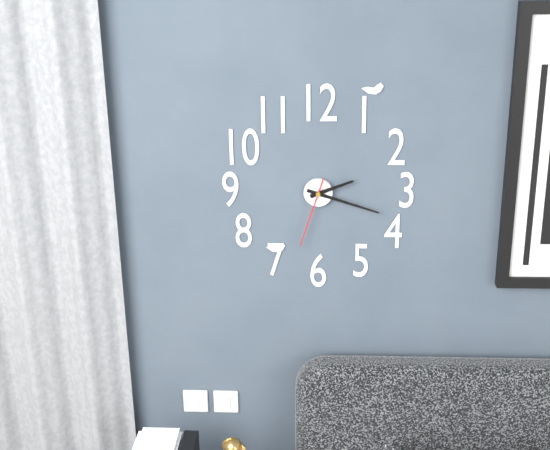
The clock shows 2:18:33
